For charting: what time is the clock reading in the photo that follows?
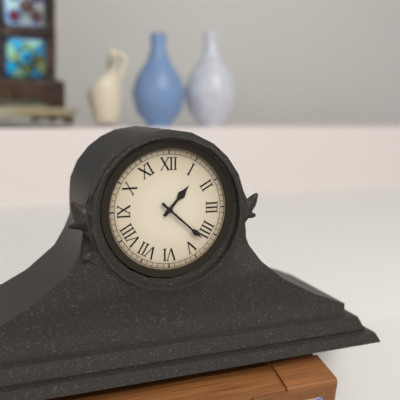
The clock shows 1:22
